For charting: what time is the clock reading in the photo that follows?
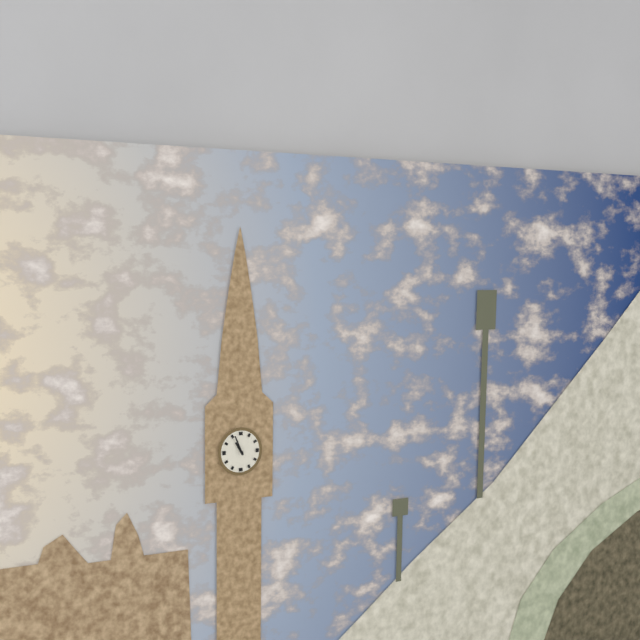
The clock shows 10:56
